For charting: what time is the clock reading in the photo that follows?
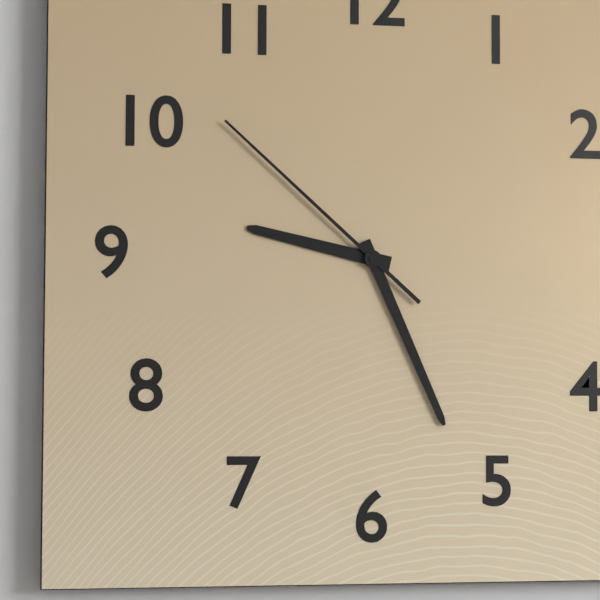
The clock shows 9:26:52
